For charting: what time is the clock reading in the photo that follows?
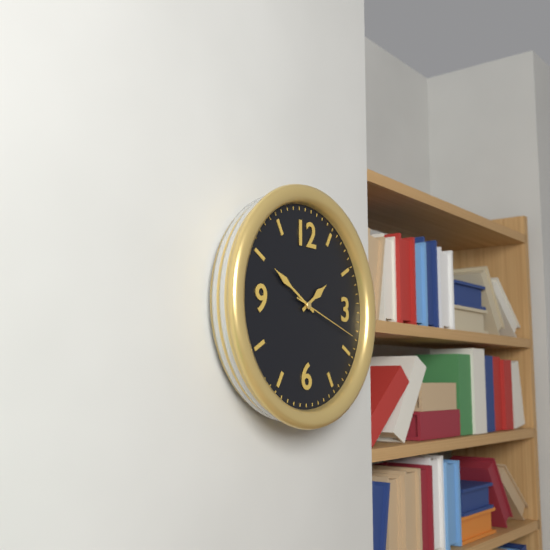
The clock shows 1:50:18
